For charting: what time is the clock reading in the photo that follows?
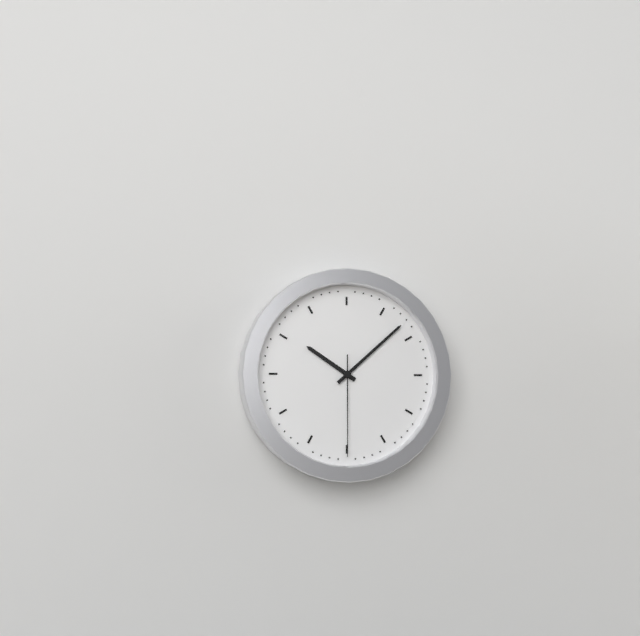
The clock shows 10:08:30
